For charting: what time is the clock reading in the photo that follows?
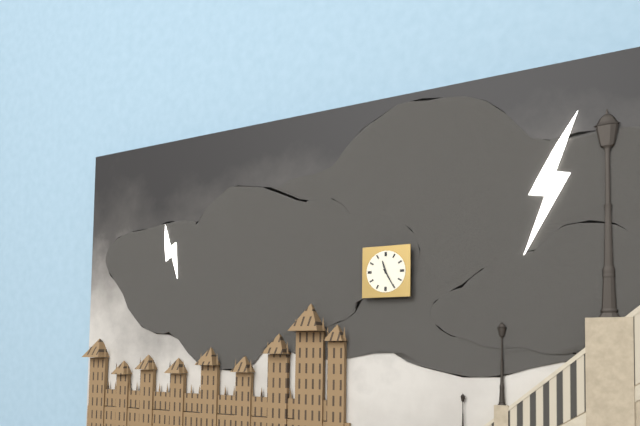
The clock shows 11:25
